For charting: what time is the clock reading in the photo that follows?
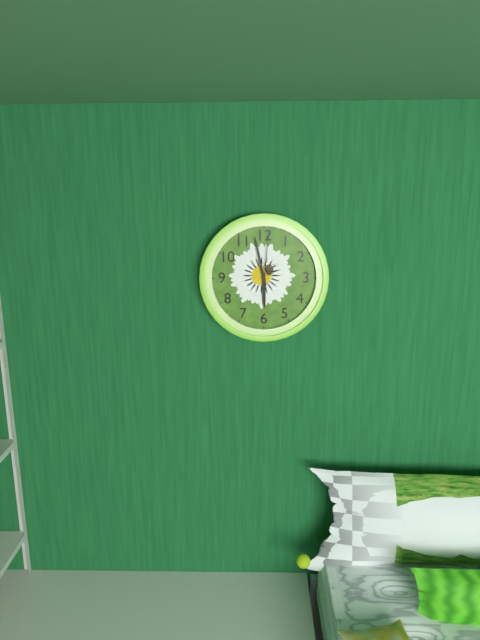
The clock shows 5:58:01
